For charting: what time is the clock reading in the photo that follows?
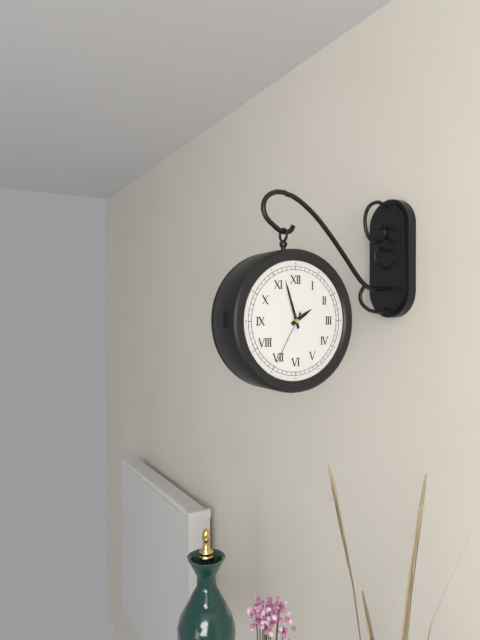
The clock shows 1:57:35
